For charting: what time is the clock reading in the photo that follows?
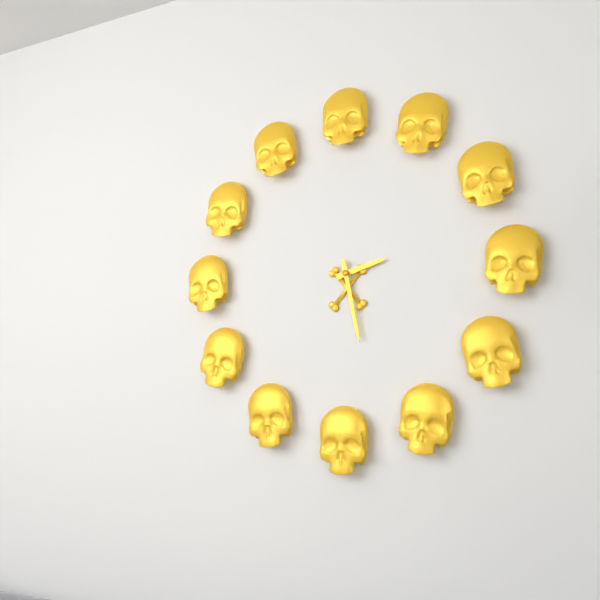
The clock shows 2:28
